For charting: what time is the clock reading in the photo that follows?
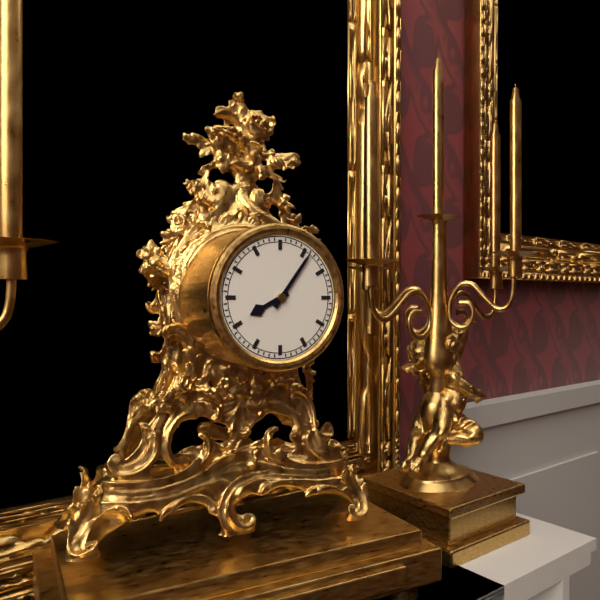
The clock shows 8:06
